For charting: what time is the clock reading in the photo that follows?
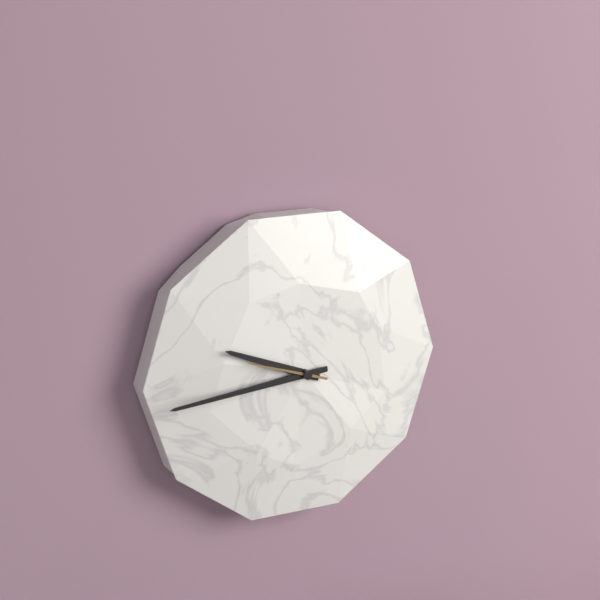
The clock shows 9:44:48
